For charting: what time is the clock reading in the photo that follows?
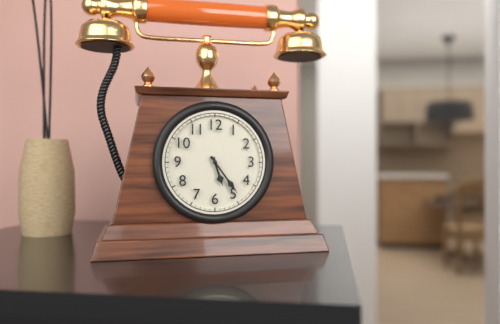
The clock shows 5:24
